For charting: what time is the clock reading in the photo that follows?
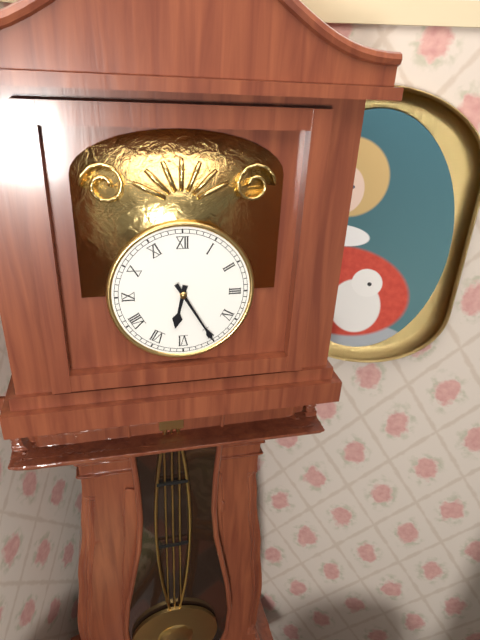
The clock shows 6:25
